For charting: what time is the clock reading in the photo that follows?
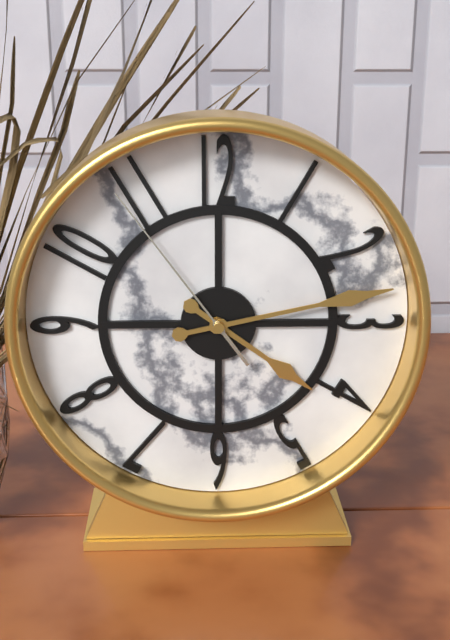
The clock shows 4:13:54
